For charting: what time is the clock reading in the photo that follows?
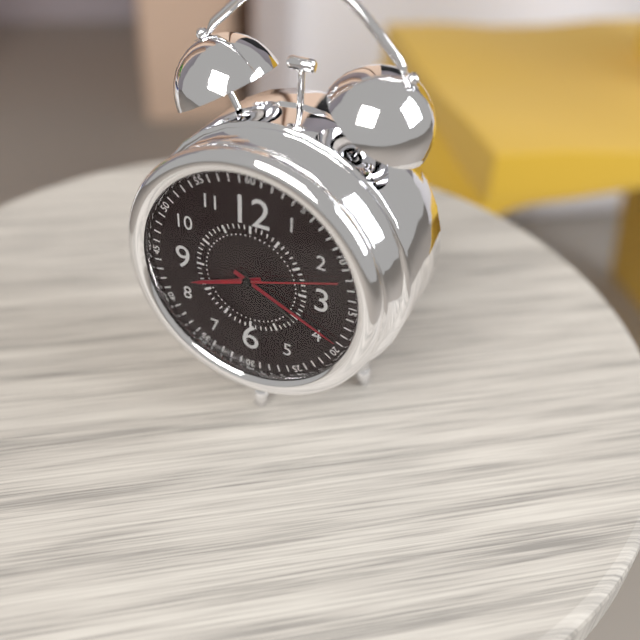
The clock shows 8:19:12
